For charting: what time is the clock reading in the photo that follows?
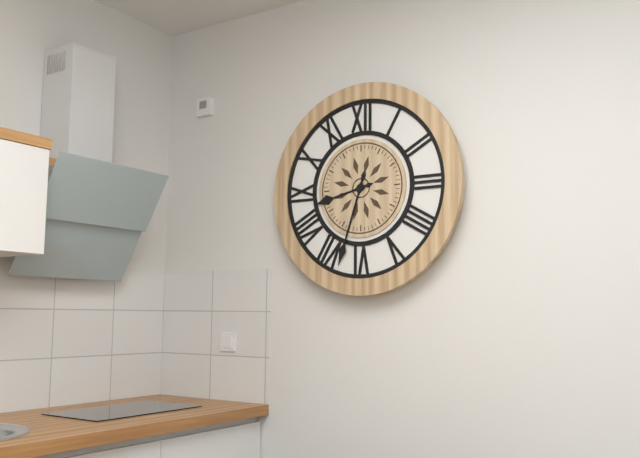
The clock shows 8:33
